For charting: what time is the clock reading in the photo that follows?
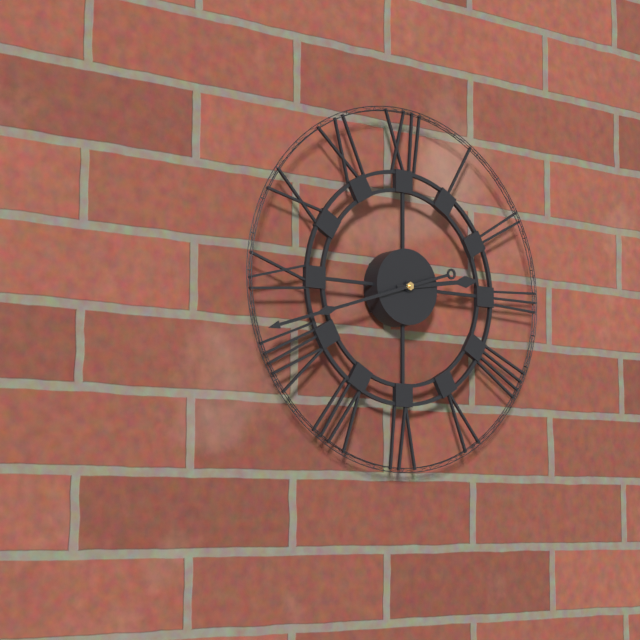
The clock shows 2:42
